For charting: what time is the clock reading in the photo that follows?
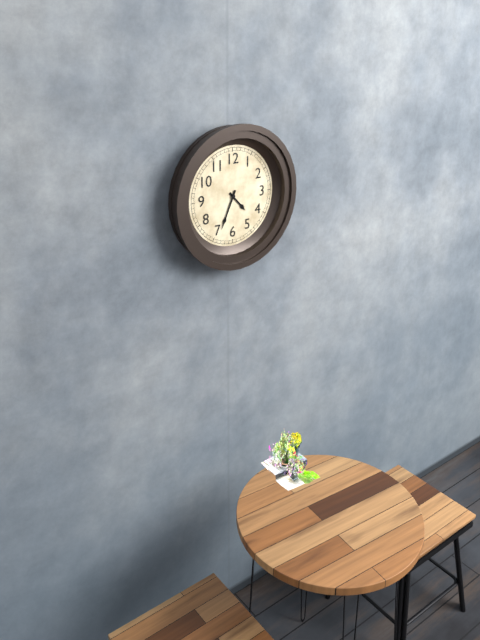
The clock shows 4:34
